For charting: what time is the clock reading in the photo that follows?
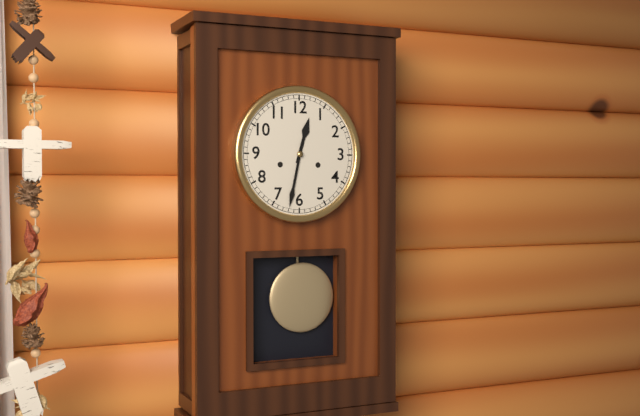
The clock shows 12:32
